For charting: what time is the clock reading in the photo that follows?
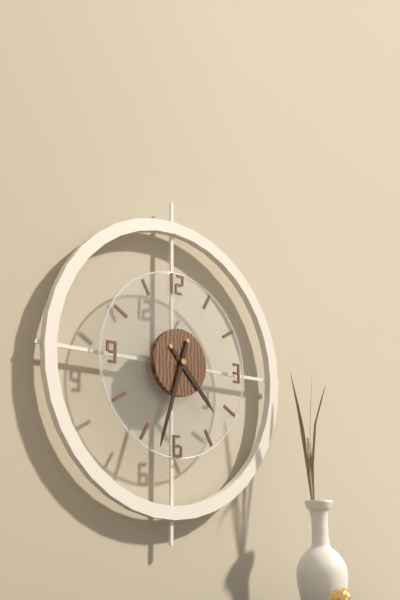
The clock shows 4:33
